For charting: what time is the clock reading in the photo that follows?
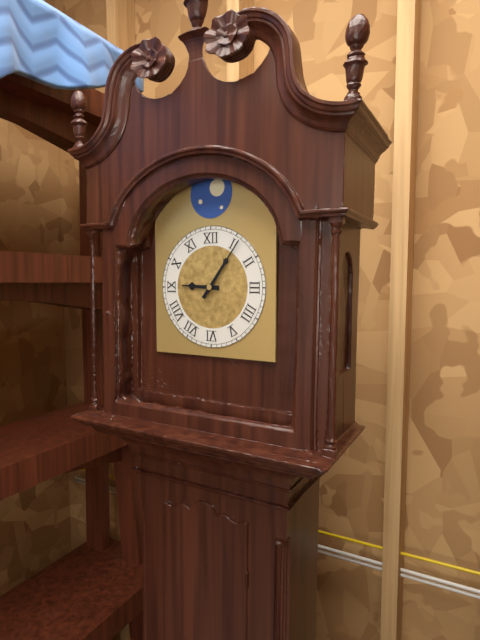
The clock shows 9:06
